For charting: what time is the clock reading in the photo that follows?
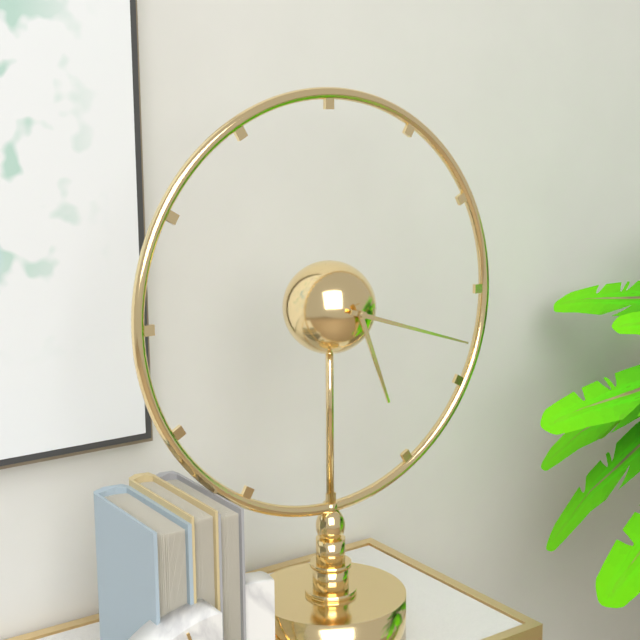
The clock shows 5:18
